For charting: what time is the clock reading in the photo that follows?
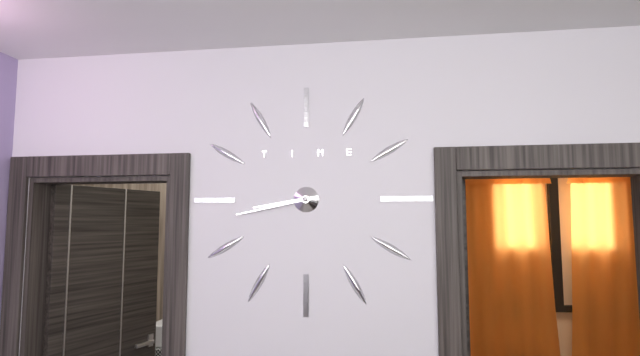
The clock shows 8:43
